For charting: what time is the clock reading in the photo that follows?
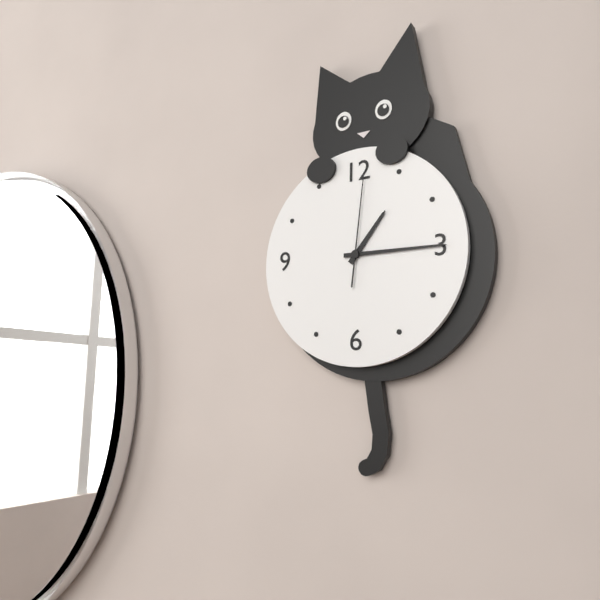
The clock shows 1:15:01
